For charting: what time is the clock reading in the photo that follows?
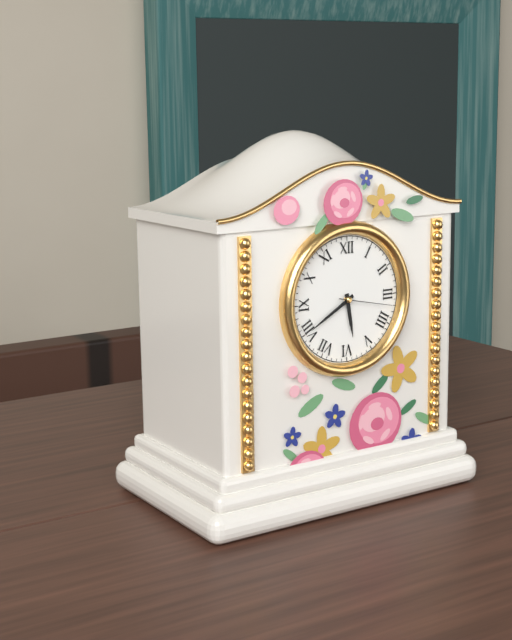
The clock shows 5:40:17
